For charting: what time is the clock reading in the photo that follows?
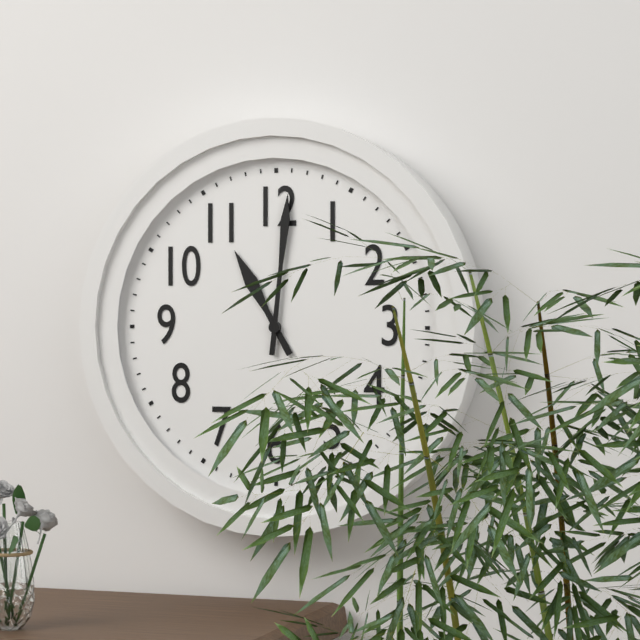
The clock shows 11:01
